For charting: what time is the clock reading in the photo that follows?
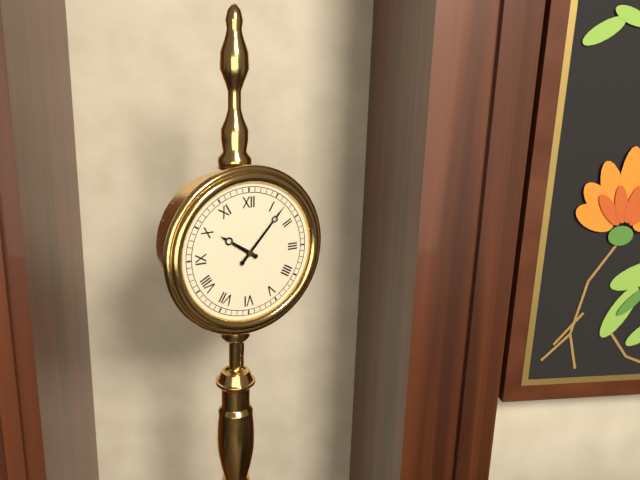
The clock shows 10:07
